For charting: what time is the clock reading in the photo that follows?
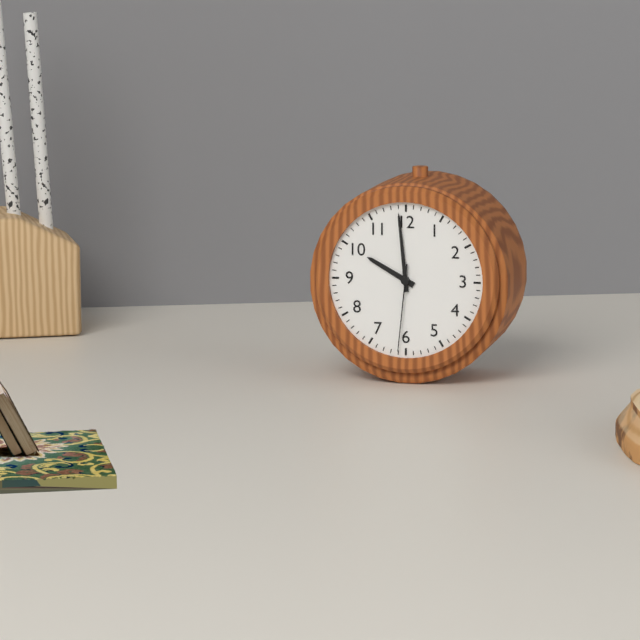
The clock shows 9:59:31
